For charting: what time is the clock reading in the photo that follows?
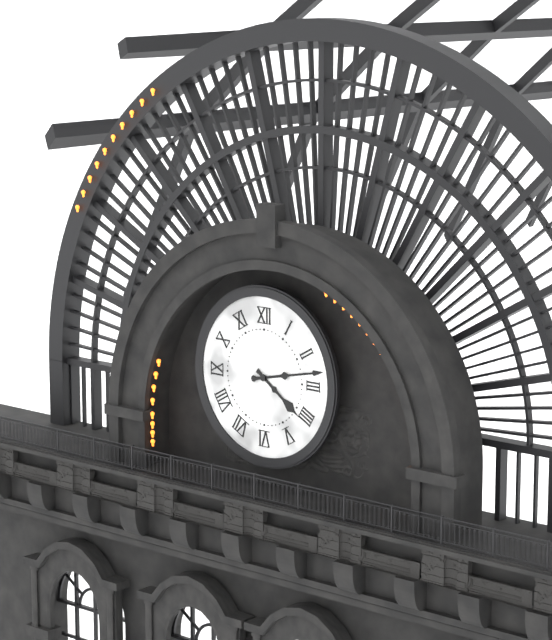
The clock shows 4:13
